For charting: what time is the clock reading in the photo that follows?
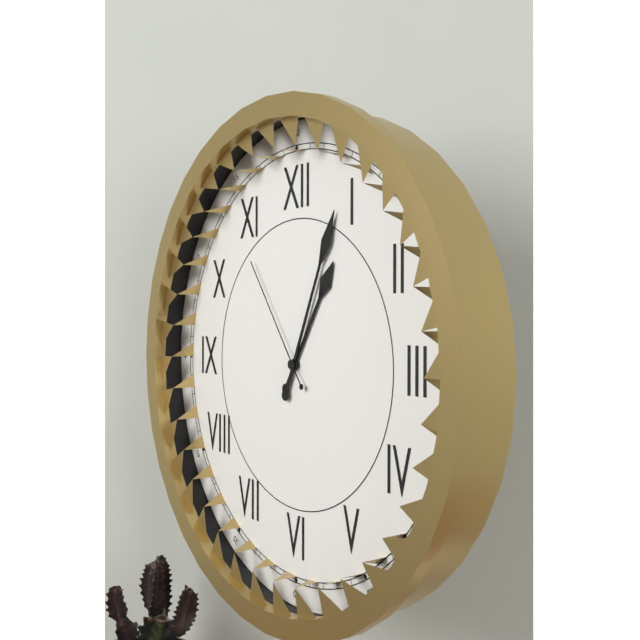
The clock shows 1:04:54
